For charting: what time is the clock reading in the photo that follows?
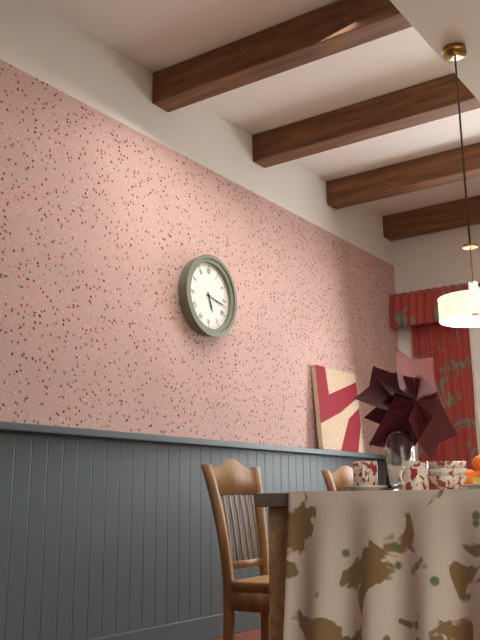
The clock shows 5:17
